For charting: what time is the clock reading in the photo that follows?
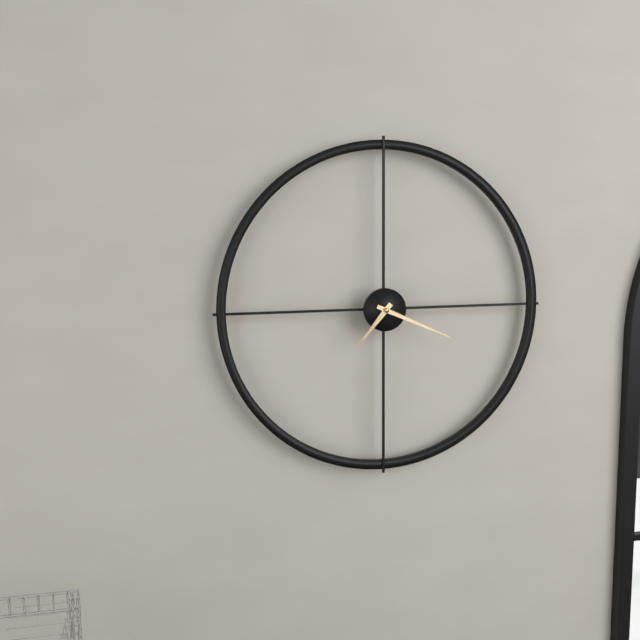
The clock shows 7:19
